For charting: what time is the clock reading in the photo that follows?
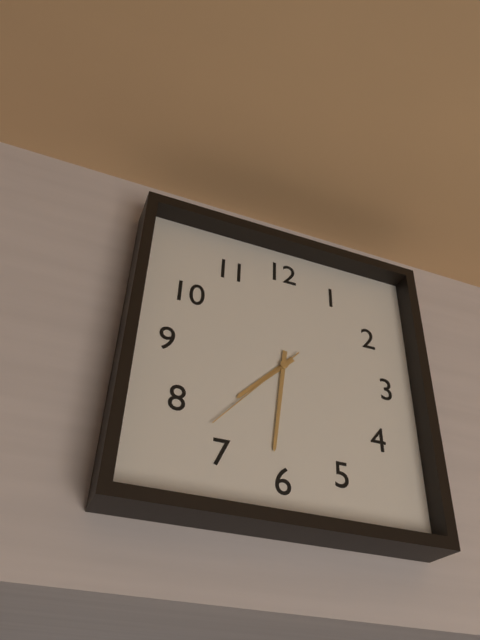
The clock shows 7:31:37
